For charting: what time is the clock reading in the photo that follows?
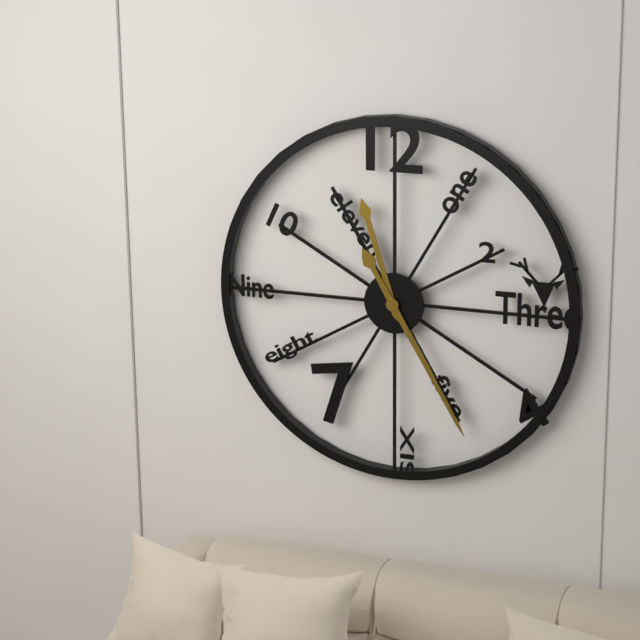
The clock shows 11:25
